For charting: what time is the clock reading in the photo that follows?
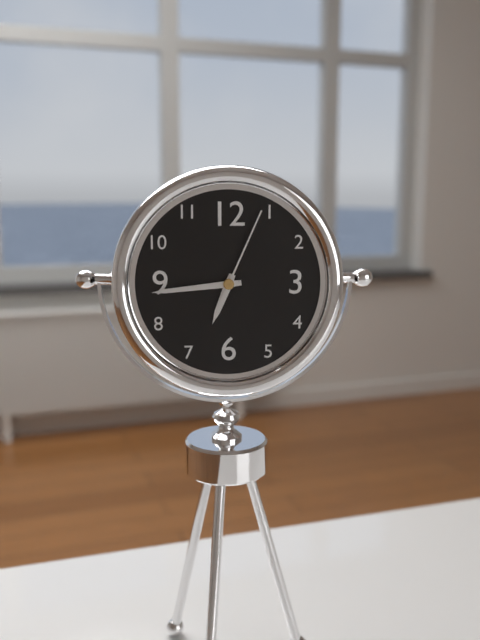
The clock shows 6:44:04
